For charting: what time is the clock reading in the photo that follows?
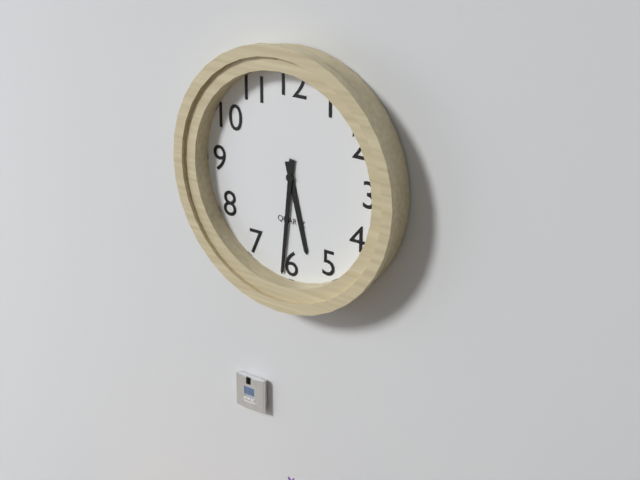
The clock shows 5:31
